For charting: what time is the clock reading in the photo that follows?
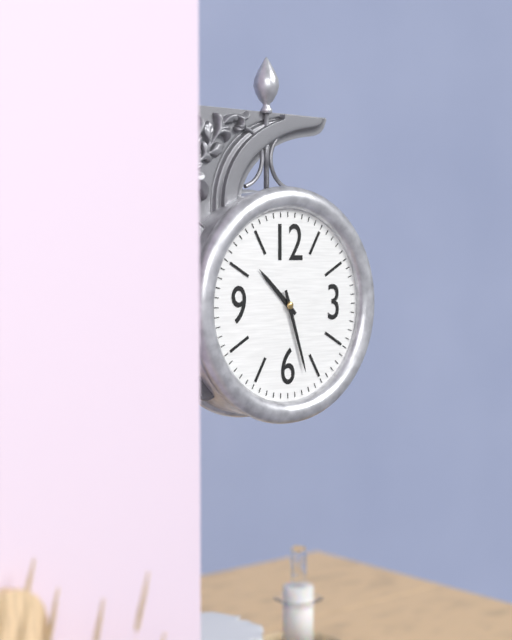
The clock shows 10:27
